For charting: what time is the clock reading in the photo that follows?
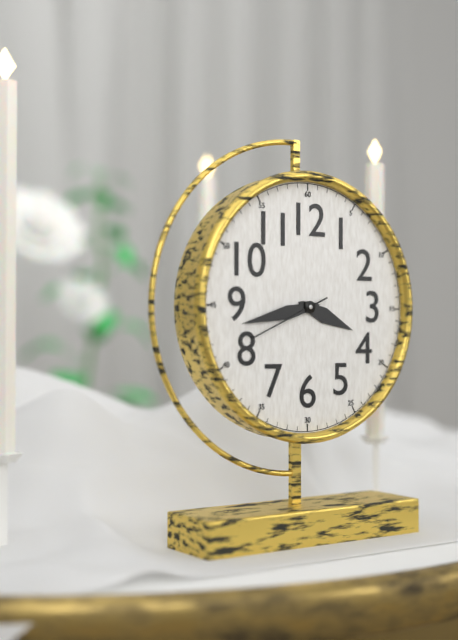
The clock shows 3:43:41
